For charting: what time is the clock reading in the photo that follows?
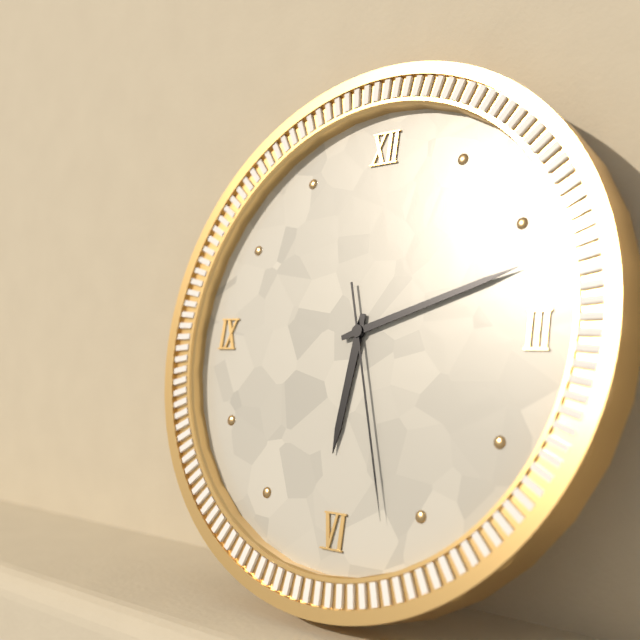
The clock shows 6:12:27
